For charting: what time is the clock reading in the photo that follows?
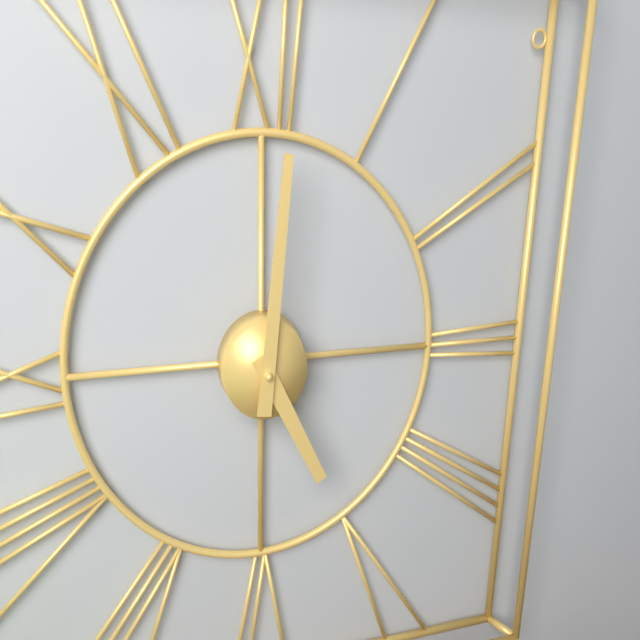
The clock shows 5:01
